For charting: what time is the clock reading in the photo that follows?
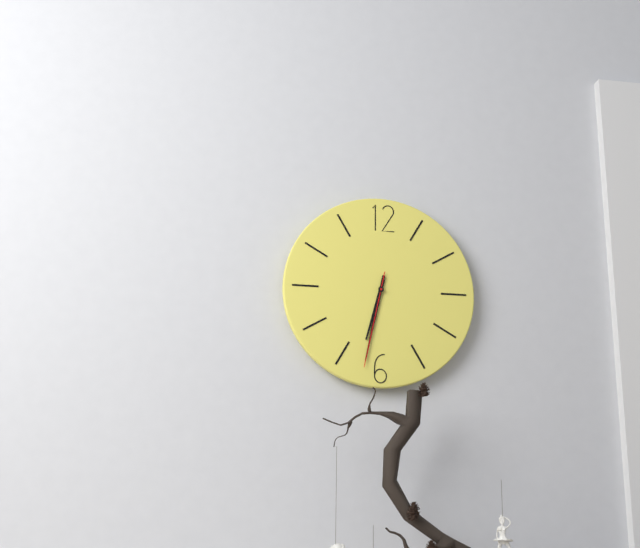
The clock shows 6:32:32
